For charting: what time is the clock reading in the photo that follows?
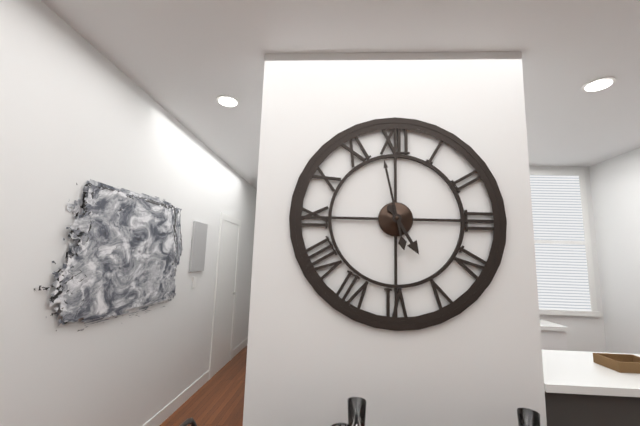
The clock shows 4:58
